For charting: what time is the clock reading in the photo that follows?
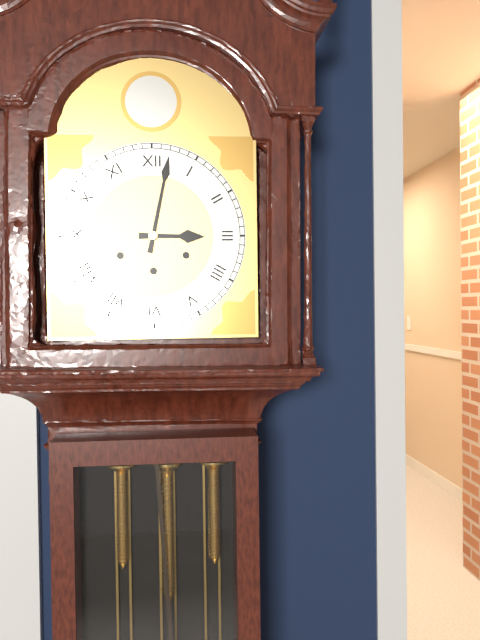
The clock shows 3:02
